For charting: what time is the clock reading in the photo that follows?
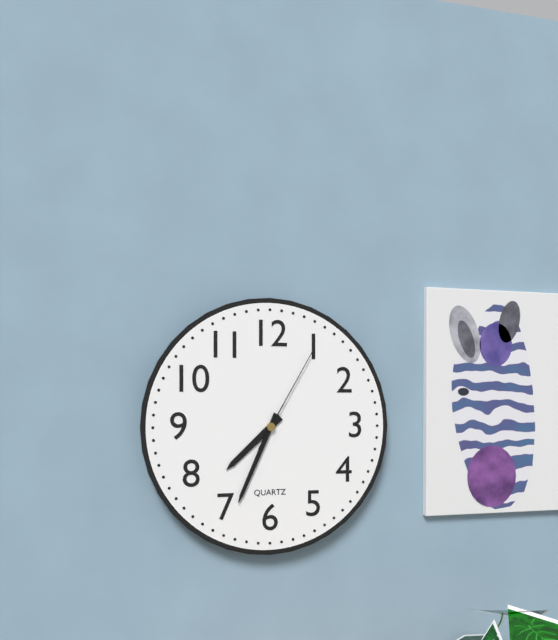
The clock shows 7:34:05
